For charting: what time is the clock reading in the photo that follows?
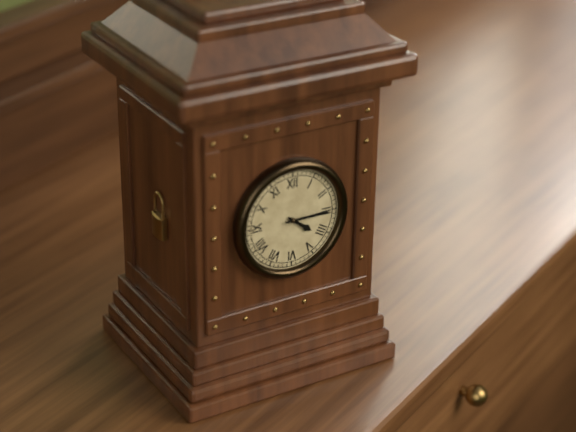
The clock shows 4:15
